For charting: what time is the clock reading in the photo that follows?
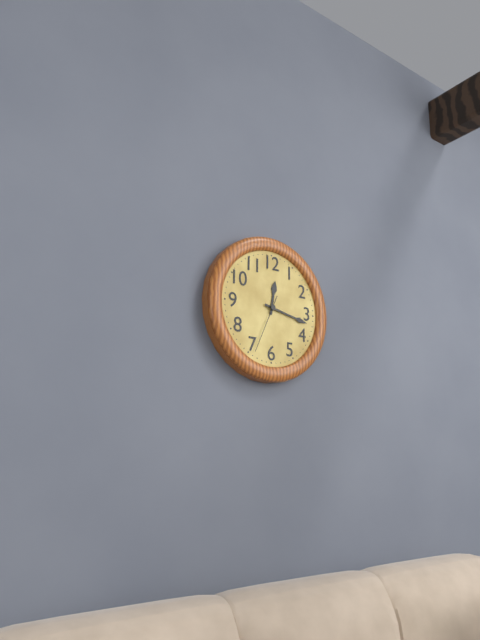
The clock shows 12:17:34
